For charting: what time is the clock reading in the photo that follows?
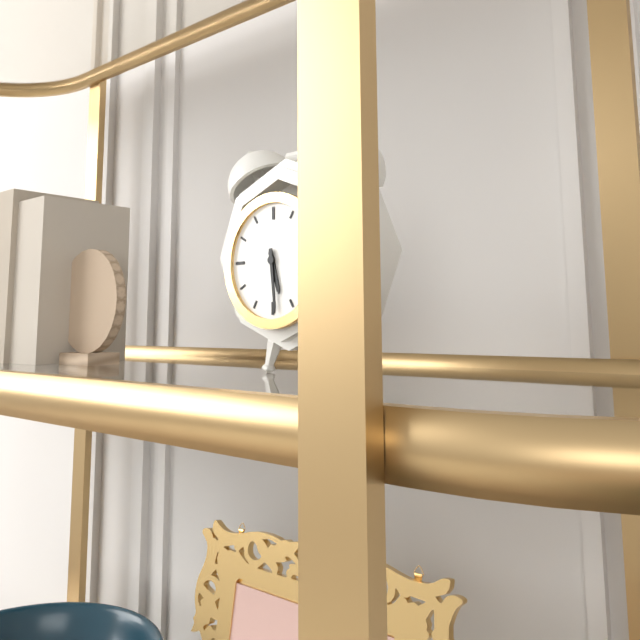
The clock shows 5:29
